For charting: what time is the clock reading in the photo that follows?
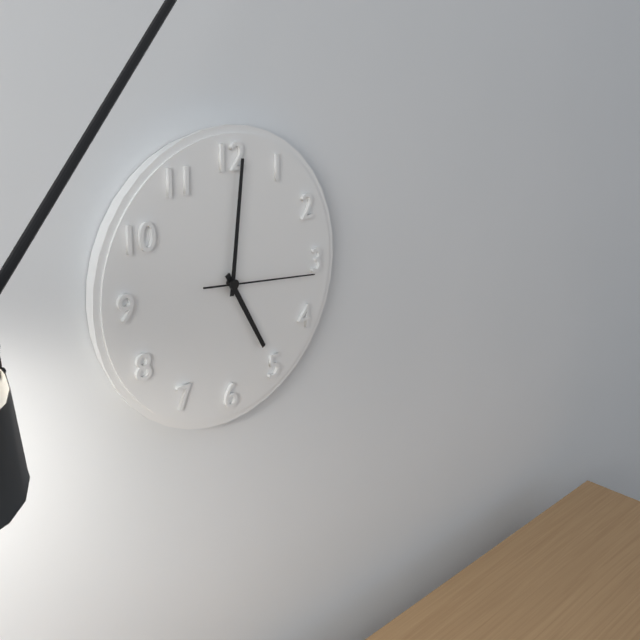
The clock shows 5:01:16
